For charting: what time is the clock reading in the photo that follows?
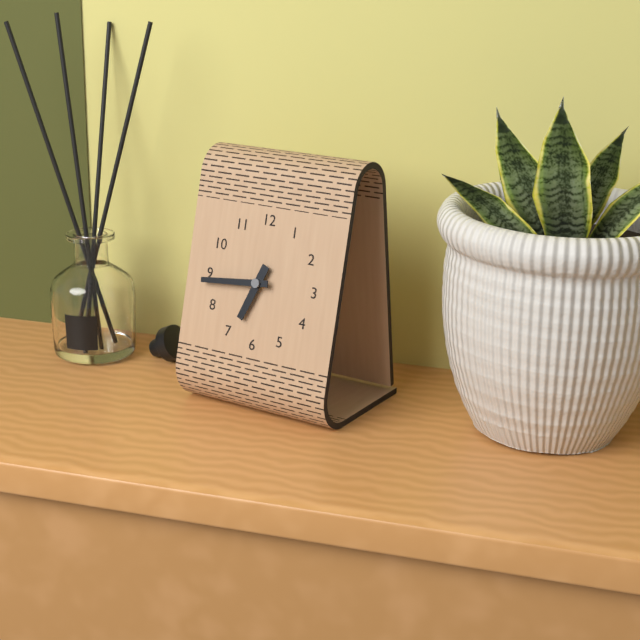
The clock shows 6:44
